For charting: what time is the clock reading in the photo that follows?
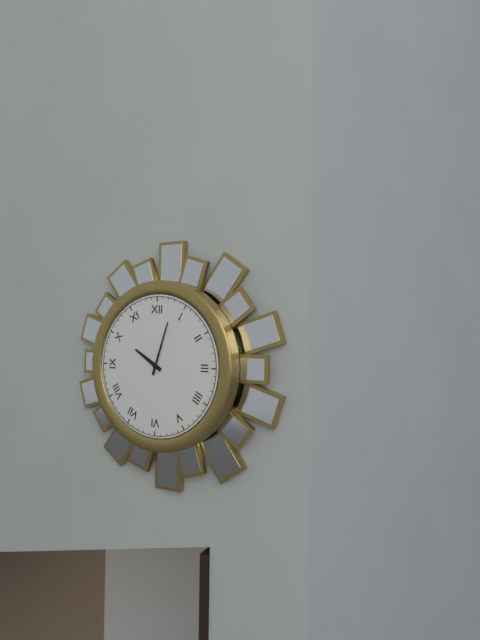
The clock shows 10:03
